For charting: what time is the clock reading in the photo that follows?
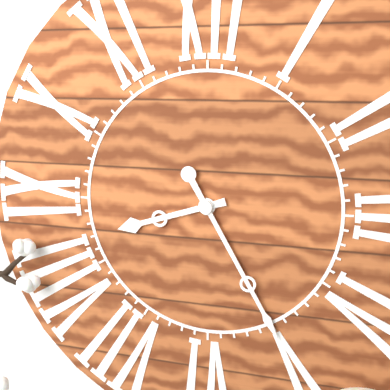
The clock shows 8:25
